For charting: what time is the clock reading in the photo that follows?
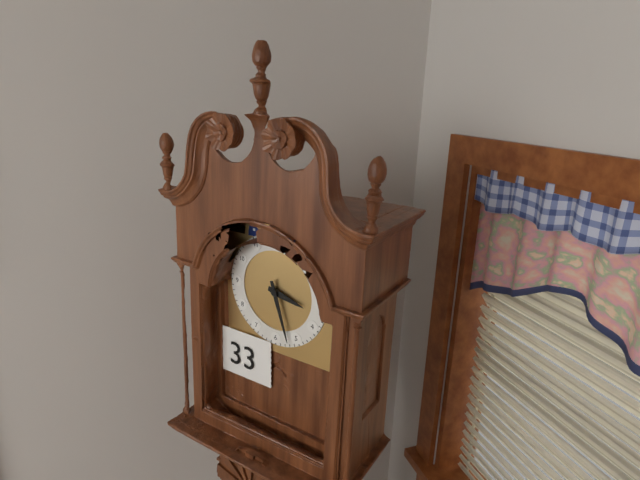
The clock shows 3:27
